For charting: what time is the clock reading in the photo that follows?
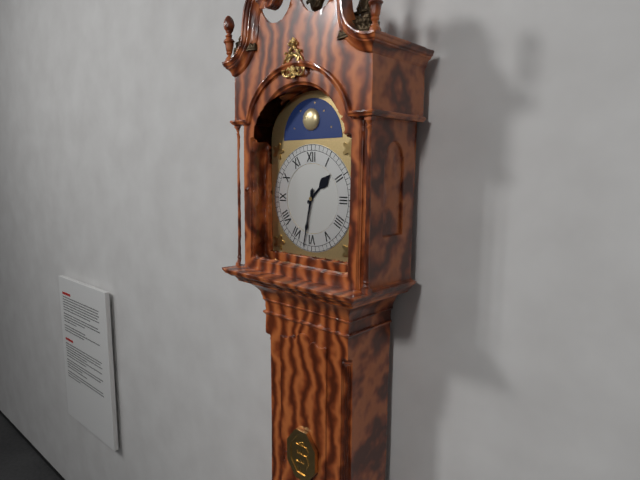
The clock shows 1:32
